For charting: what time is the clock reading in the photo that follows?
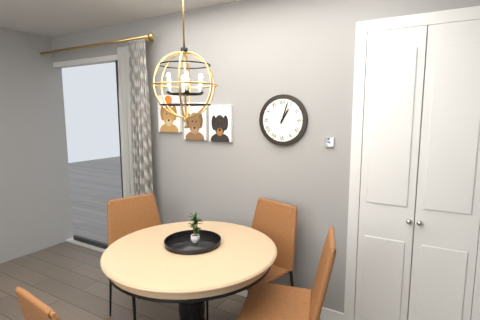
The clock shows 1:03
